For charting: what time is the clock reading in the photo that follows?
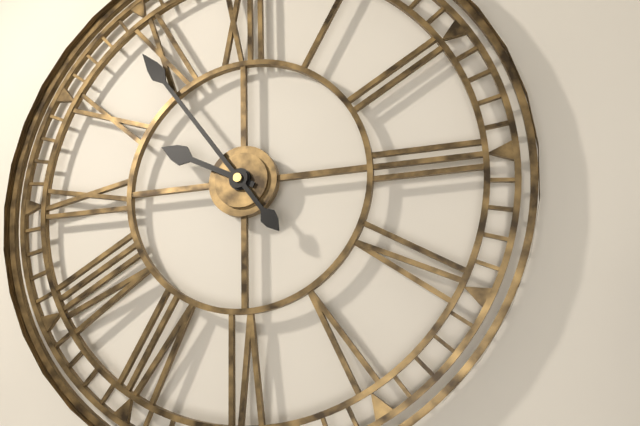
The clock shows 9:54
